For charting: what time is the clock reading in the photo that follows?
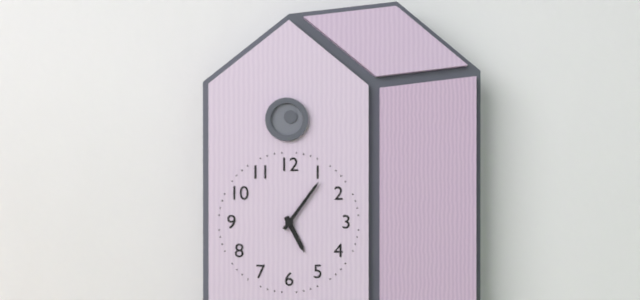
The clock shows 5:06
